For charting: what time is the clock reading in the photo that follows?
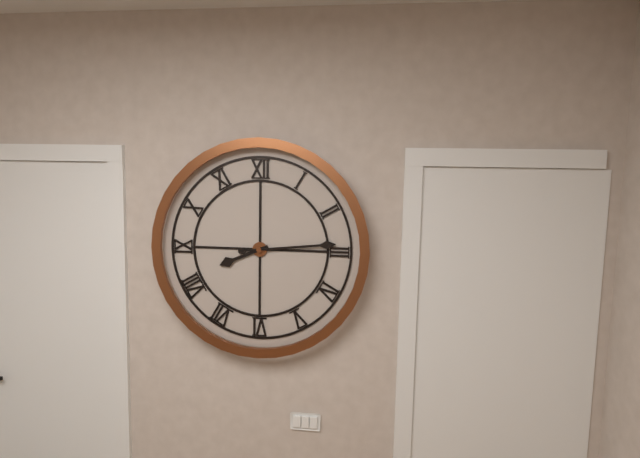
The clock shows 8:14
